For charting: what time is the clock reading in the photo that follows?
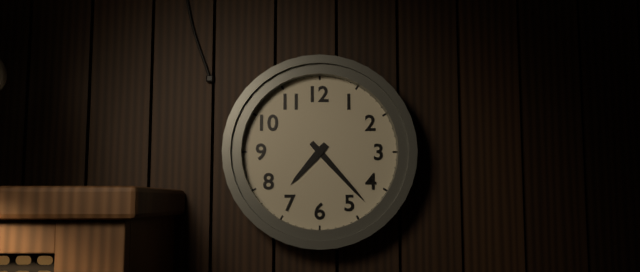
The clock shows 7:23
